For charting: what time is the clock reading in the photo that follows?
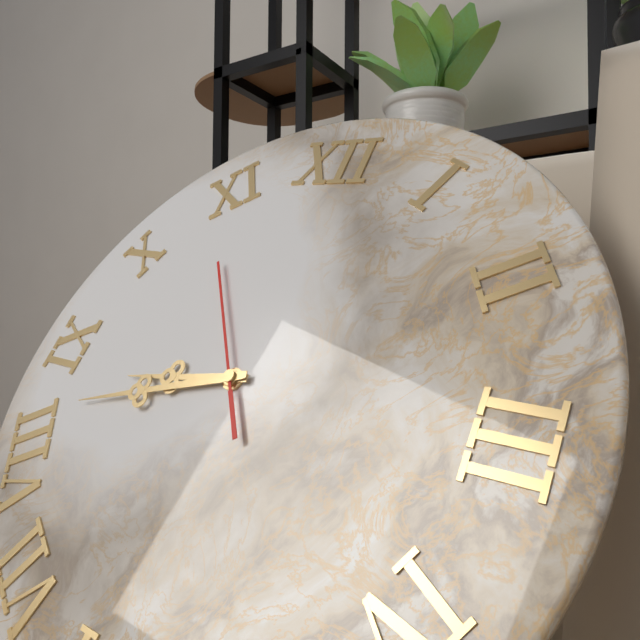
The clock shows 8:42:54
